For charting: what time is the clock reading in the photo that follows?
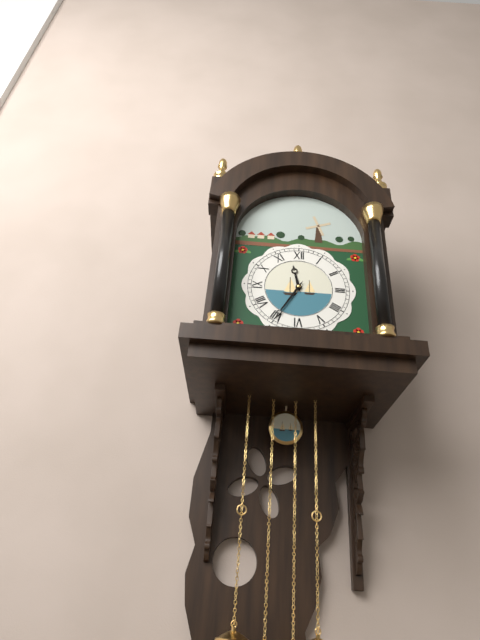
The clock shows 11:35
